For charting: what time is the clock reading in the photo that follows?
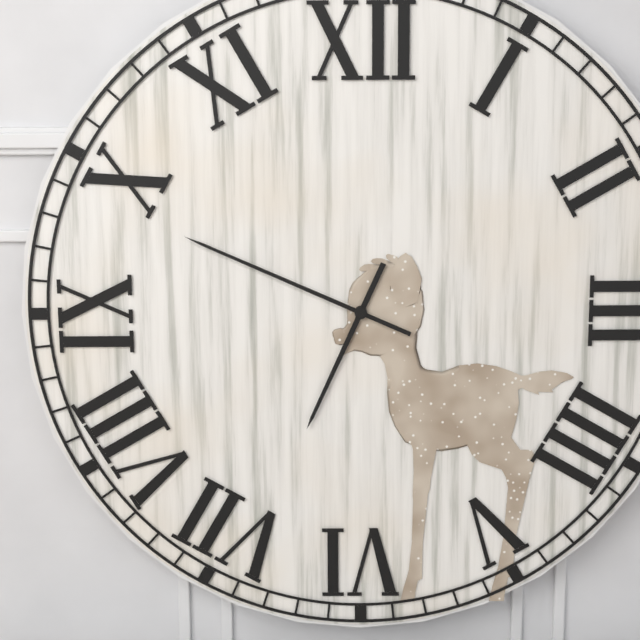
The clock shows 6:49
